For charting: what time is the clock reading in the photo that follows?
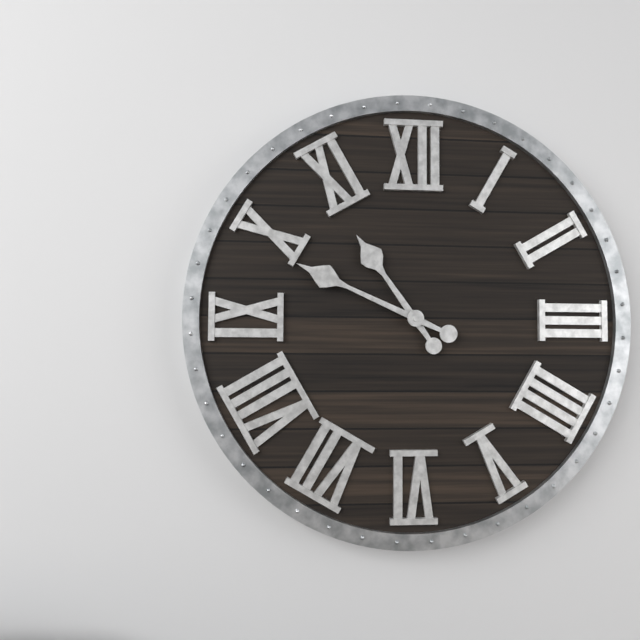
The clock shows 10:49
